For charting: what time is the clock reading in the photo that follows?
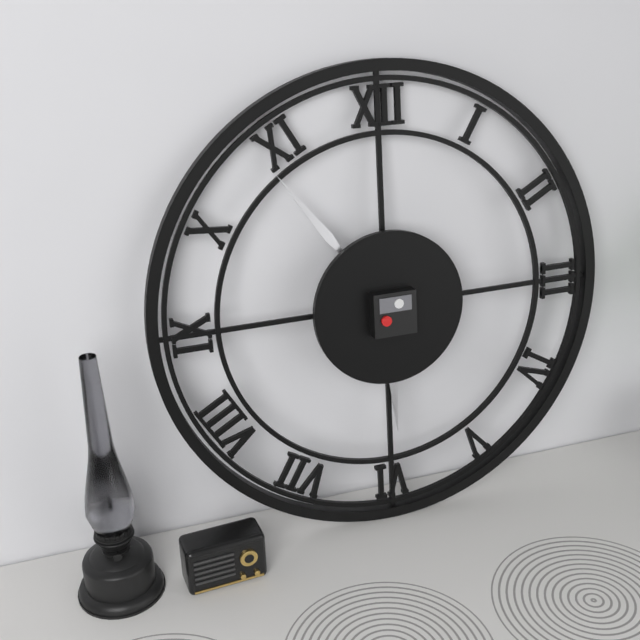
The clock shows 5:54
